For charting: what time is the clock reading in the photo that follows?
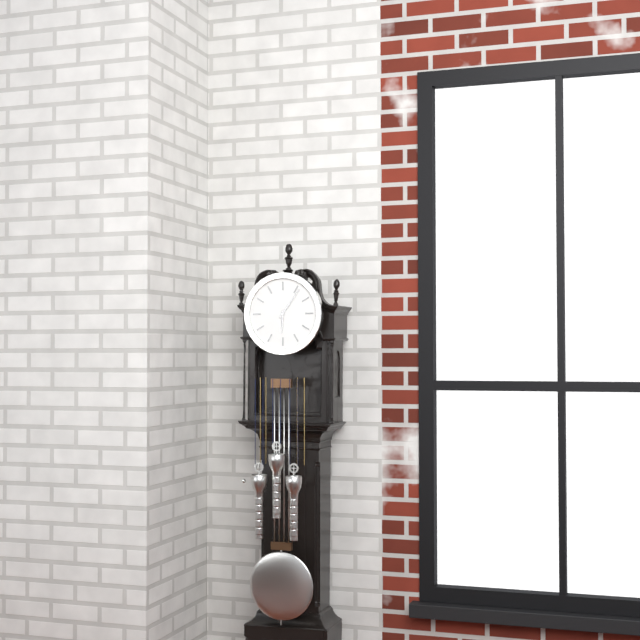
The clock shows 6:06
